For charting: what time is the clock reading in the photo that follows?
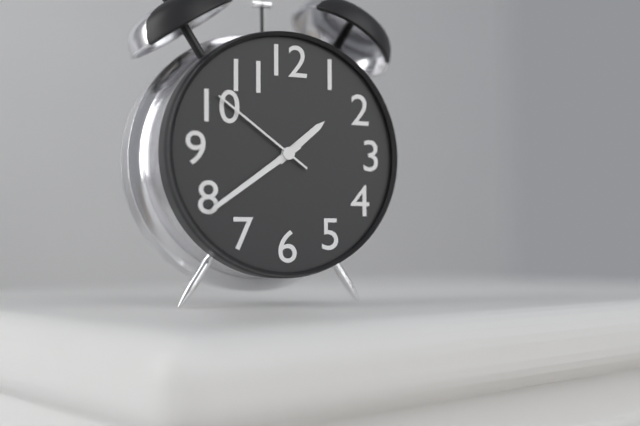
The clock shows 1:39:51
